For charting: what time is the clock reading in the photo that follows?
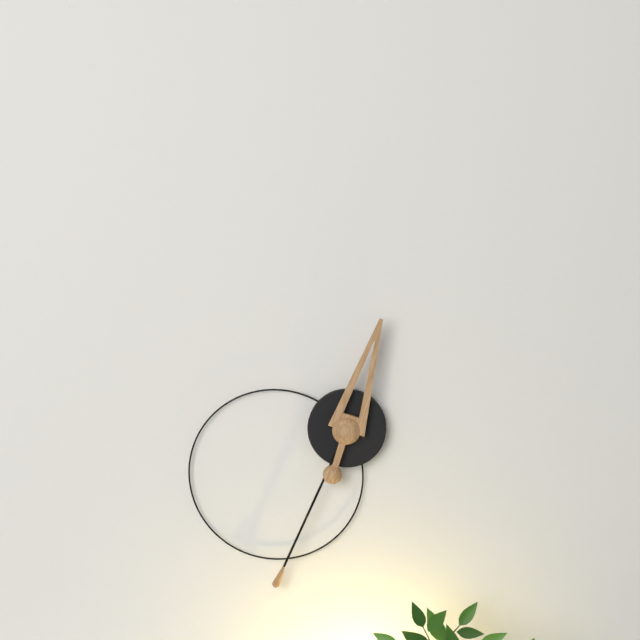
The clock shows 12:34
